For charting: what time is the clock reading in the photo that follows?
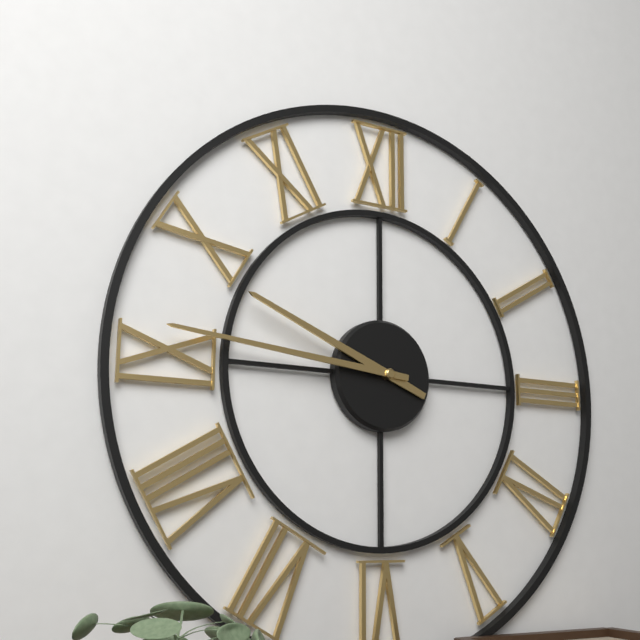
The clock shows 9:46
